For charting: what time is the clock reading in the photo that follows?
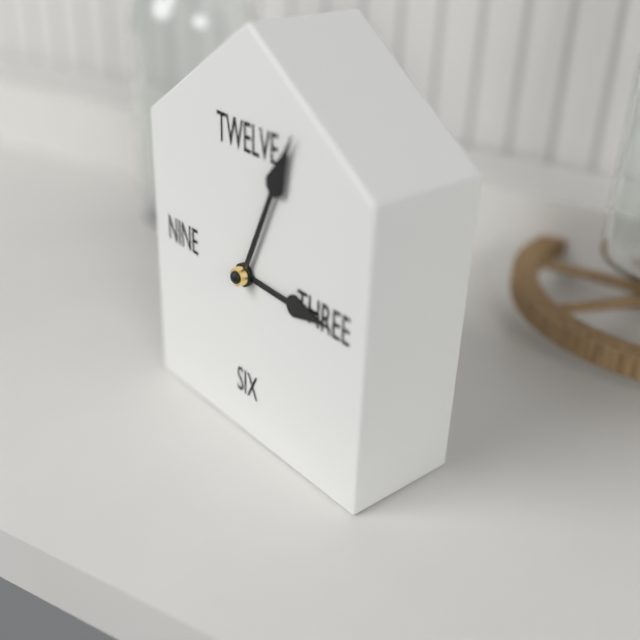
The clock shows 3:04
